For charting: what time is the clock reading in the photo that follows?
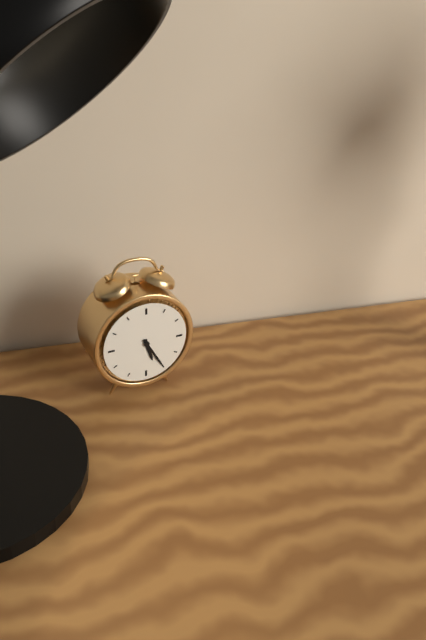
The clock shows 5:25
